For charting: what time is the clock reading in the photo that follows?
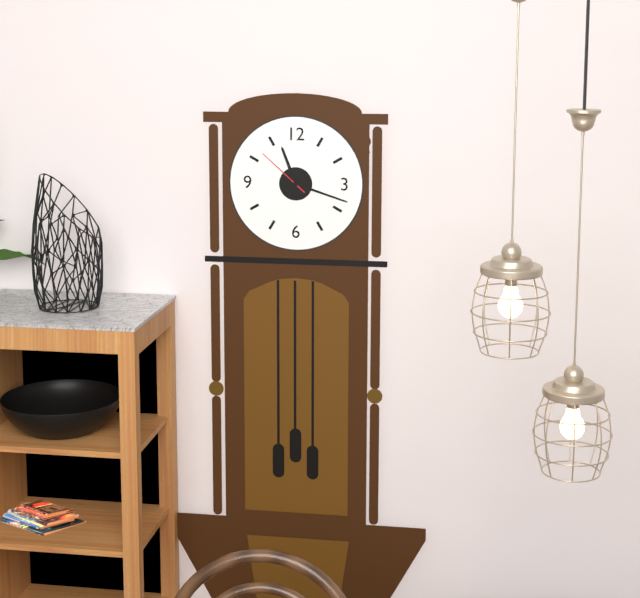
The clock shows 11:18:52
